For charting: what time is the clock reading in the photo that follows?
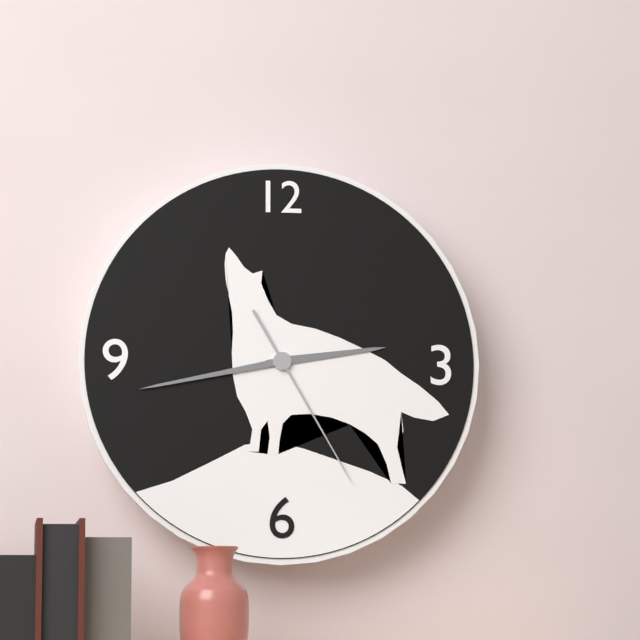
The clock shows 2:43:25
